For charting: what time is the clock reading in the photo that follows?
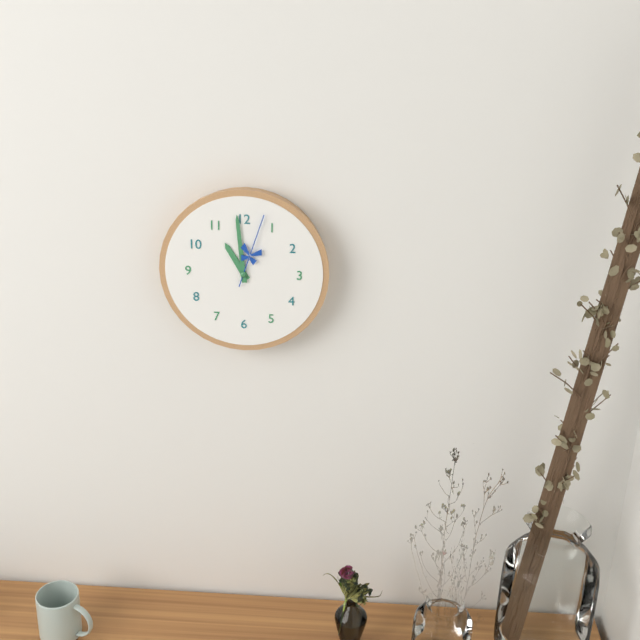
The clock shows 10:59:03
